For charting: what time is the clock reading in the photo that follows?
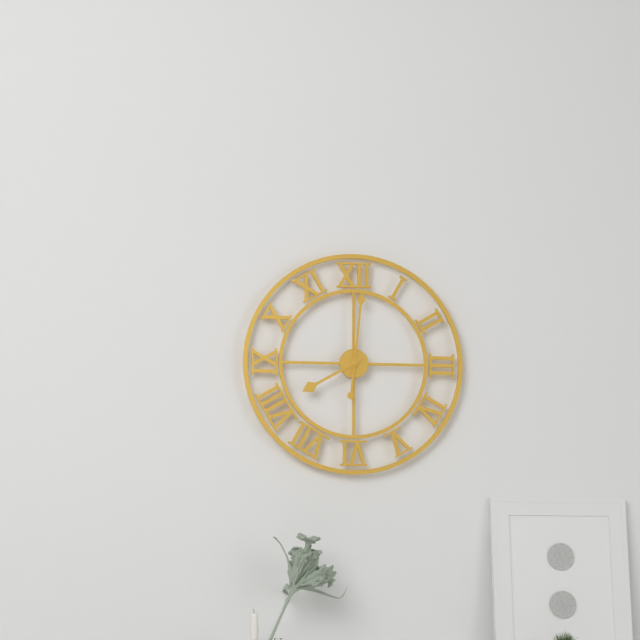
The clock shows 8:01
